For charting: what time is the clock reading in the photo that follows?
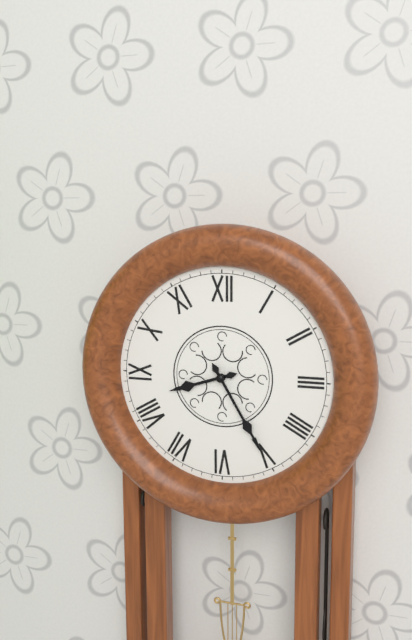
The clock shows 8:25
